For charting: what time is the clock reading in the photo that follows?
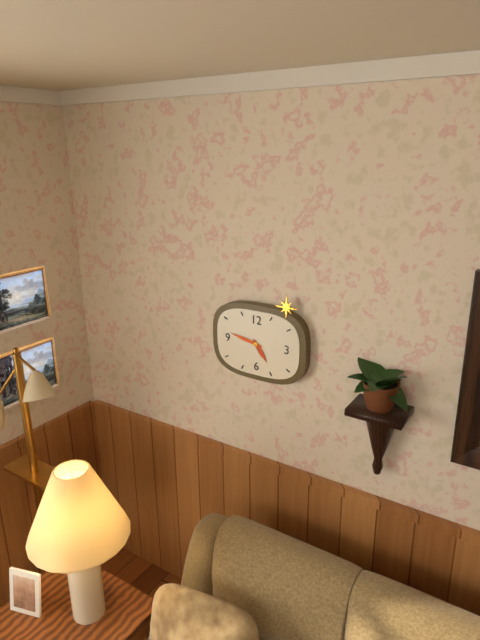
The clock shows 4:47
